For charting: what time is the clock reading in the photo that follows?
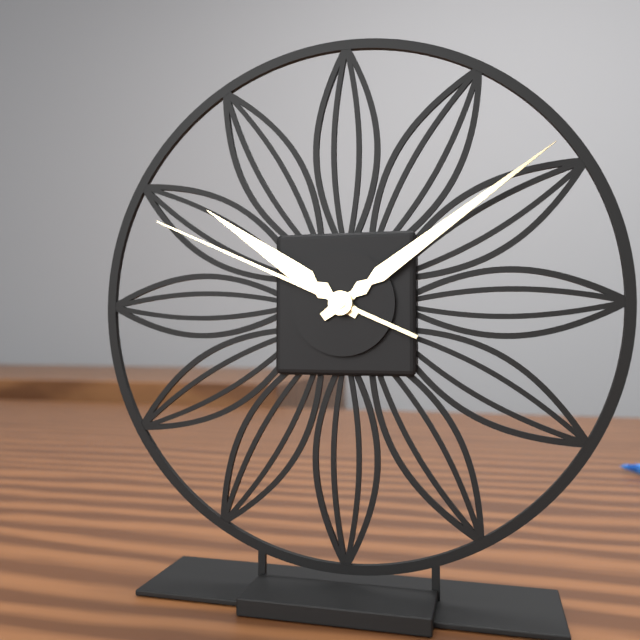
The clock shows 10:09:49
